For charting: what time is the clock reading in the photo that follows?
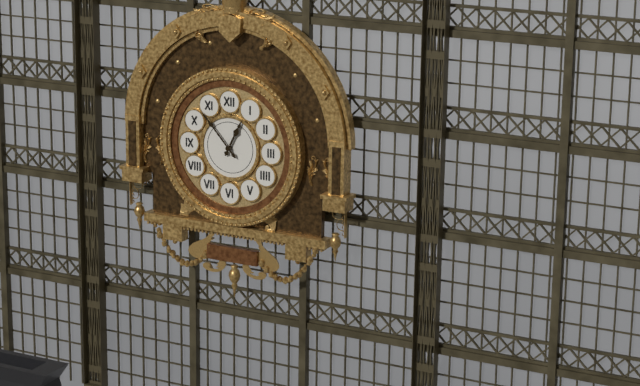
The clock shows 12:53
